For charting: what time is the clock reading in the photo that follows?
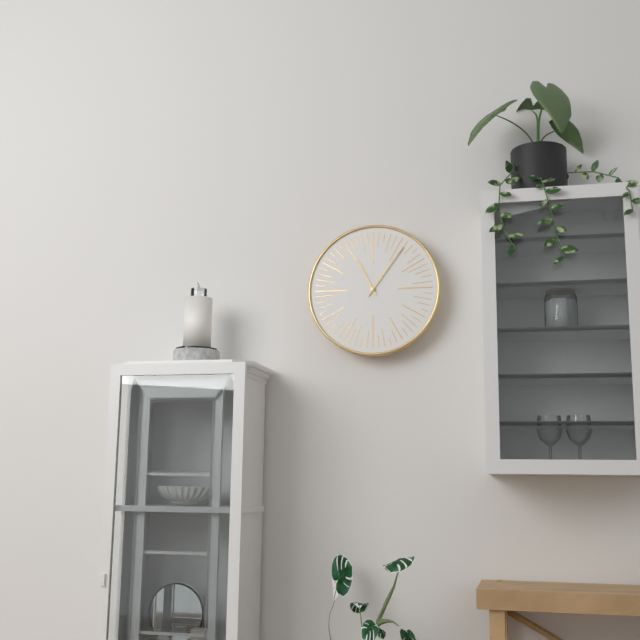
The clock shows 11:06
